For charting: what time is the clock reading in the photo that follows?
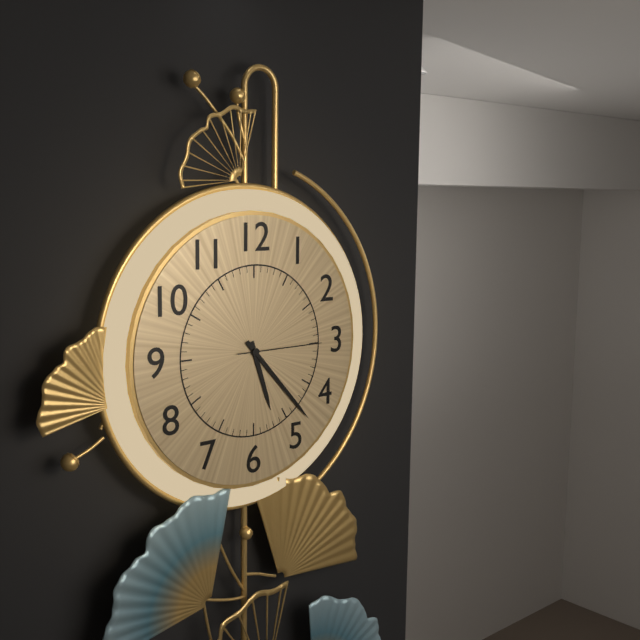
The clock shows 5:23:15
